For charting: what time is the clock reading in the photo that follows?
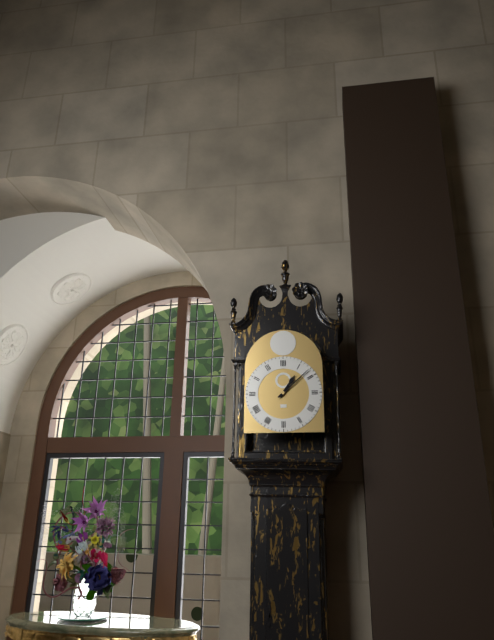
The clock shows 1:08
